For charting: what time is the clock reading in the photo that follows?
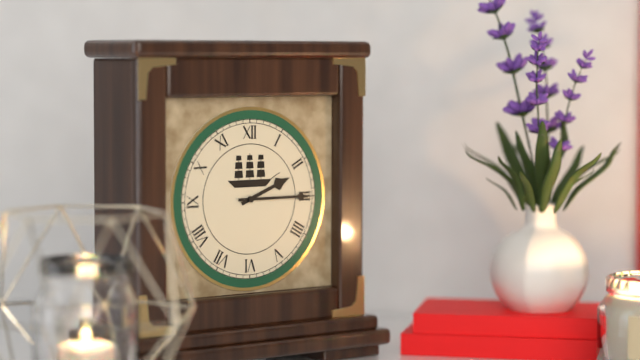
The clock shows 2:15
